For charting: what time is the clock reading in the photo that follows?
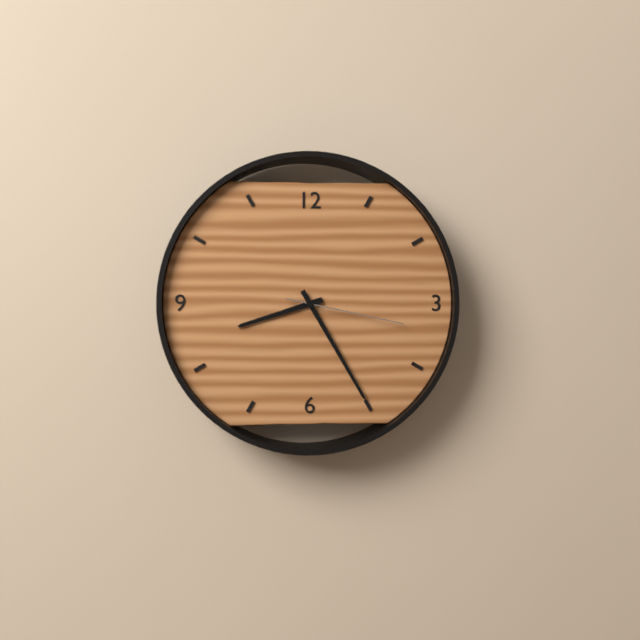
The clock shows 8:25:17
